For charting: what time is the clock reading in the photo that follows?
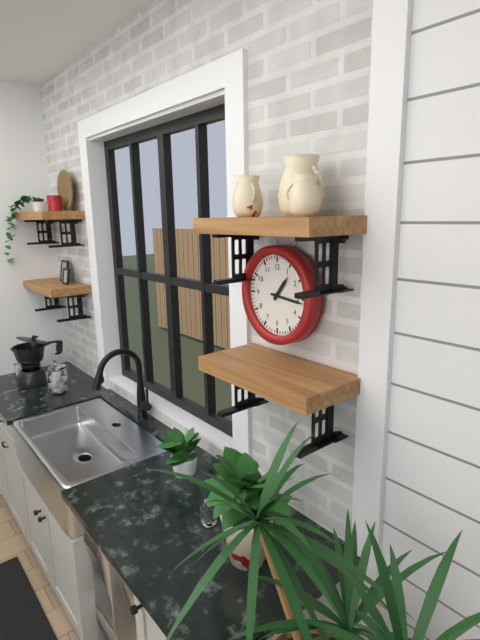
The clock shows 1:16
